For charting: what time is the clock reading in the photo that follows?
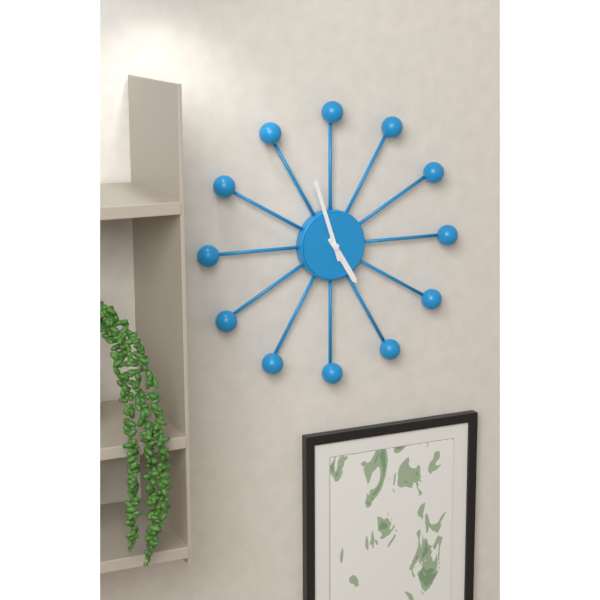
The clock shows 4:57
